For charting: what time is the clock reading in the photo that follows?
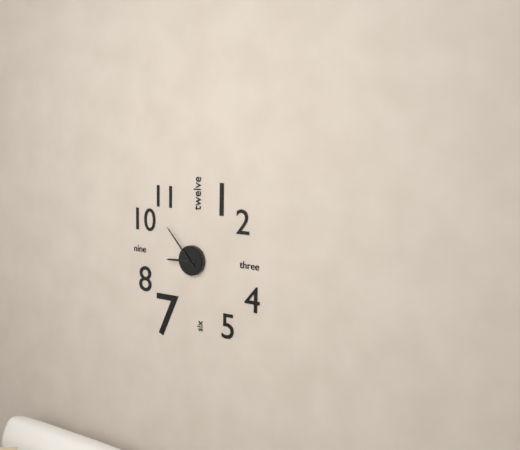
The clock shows 8:53
